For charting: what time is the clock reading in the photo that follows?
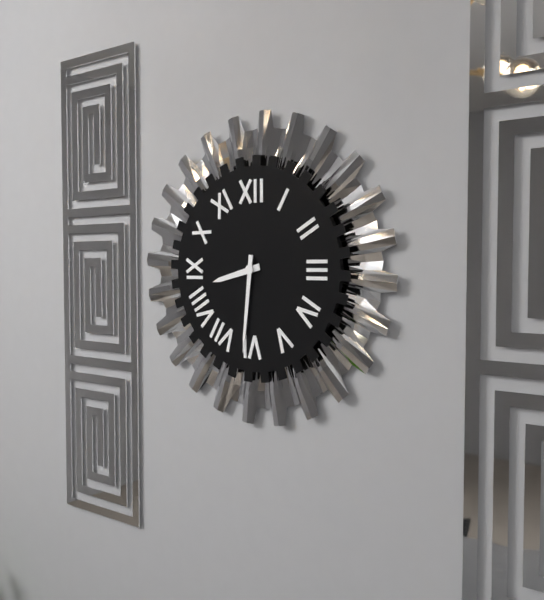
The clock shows 8:31
